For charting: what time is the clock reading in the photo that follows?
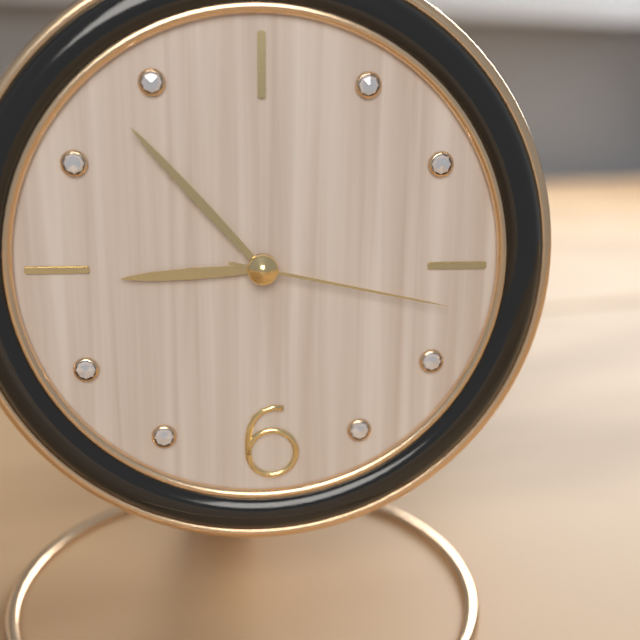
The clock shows 8:53:17
